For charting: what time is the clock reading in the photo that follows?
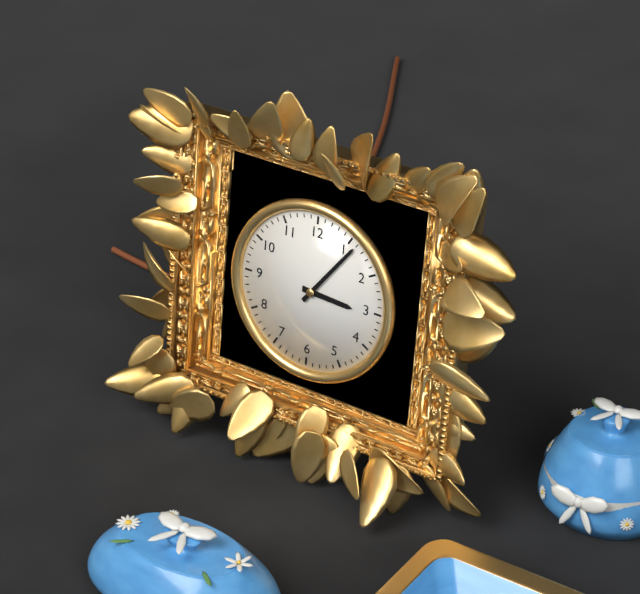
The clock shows 3:06
